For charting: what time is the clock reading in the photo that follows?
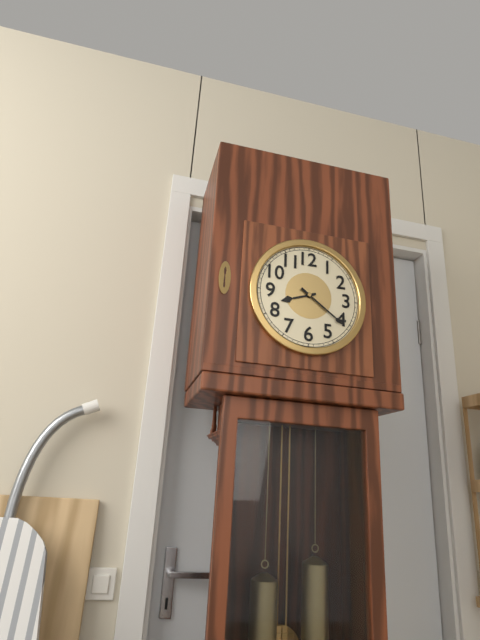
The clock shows 8:21
